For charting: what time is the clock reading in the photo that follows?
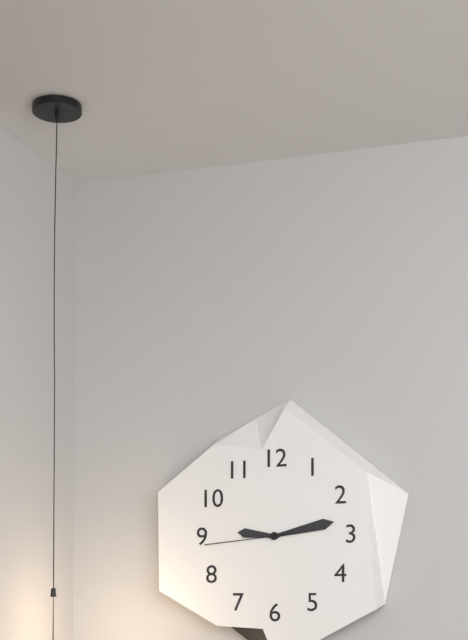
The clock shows 9:13:44
